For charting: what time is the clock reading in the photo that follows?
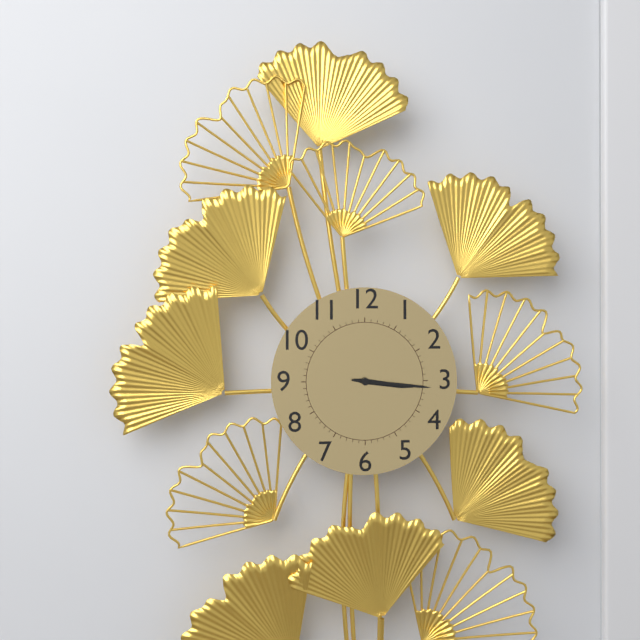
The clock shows 3:16
